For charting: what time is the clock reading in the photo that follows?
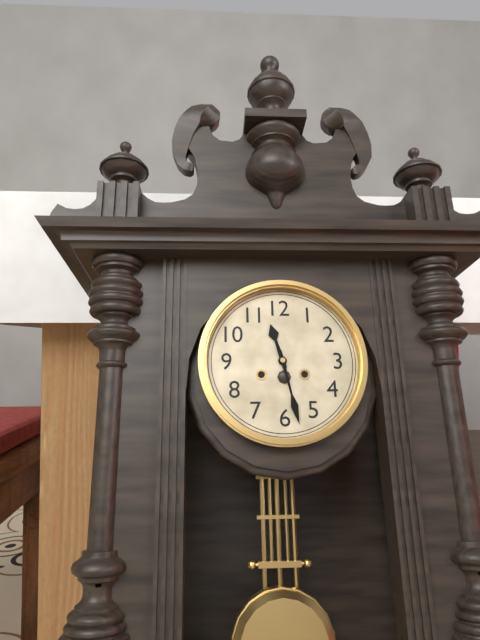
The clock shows 11:28
